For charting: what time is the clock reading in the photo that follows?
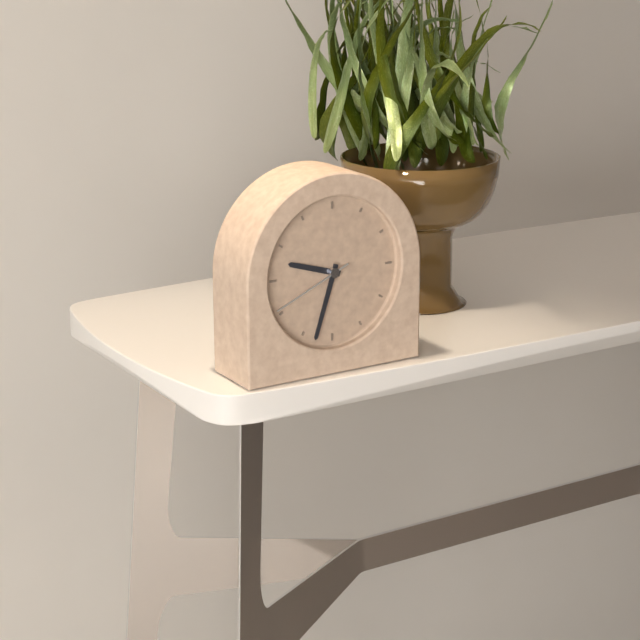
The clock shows 9:33:41
